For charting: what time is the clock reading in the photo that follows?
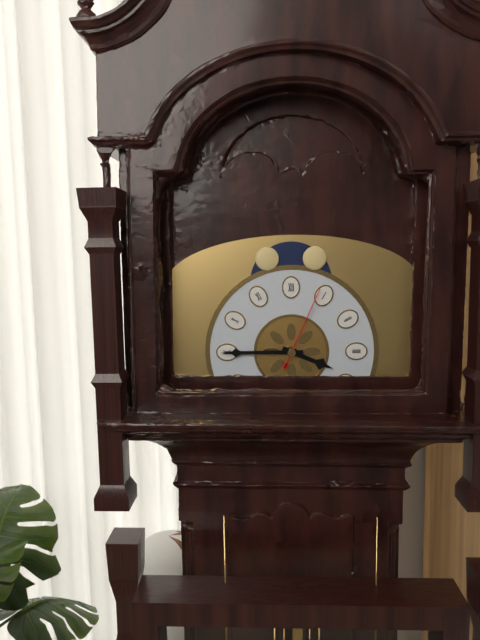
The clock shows 3:45:04
